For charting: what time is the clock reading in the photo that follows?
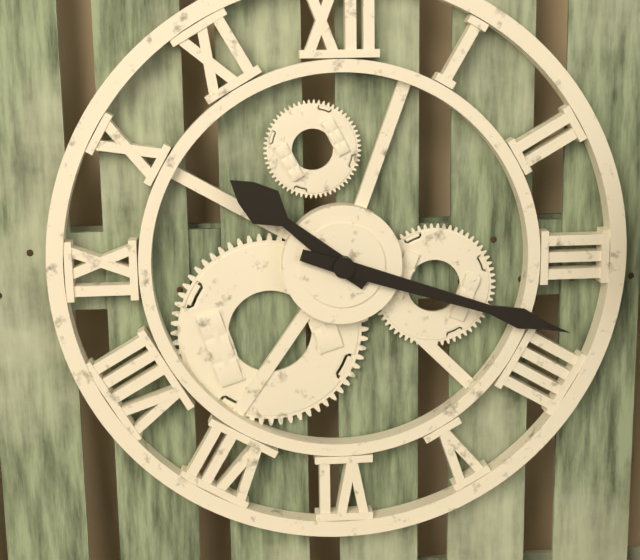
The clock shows 10:18
